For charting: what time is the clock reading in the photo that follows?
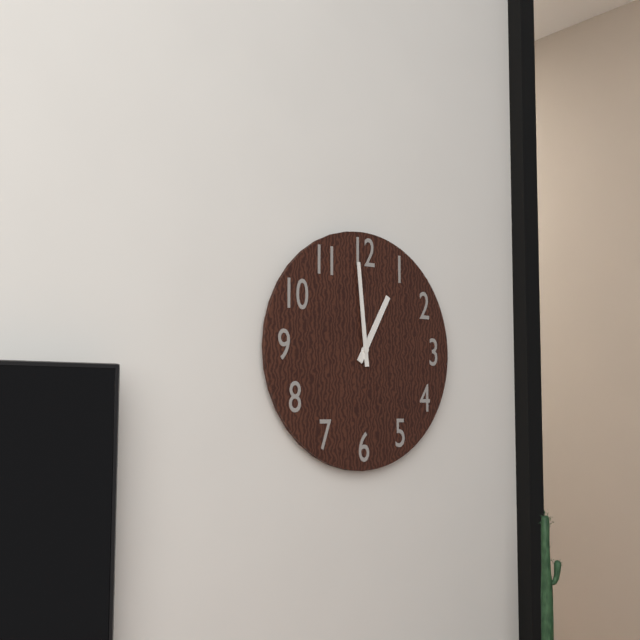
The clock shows 12:59
